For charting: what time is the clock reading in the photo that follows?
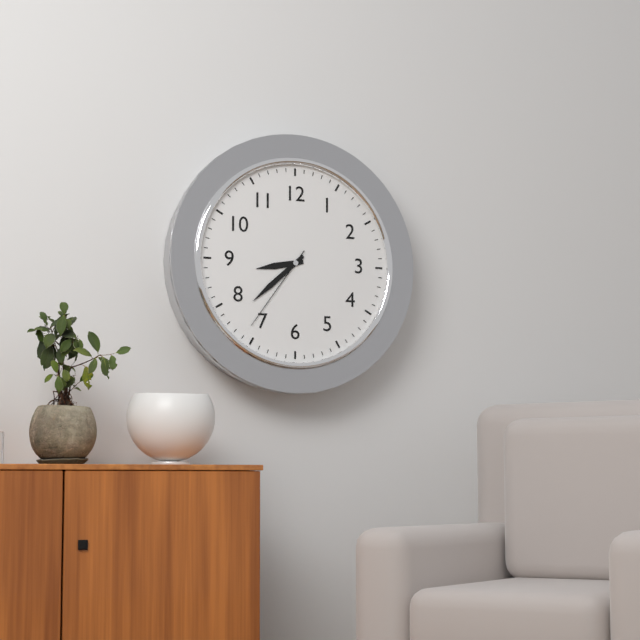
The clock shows 8:38:36
